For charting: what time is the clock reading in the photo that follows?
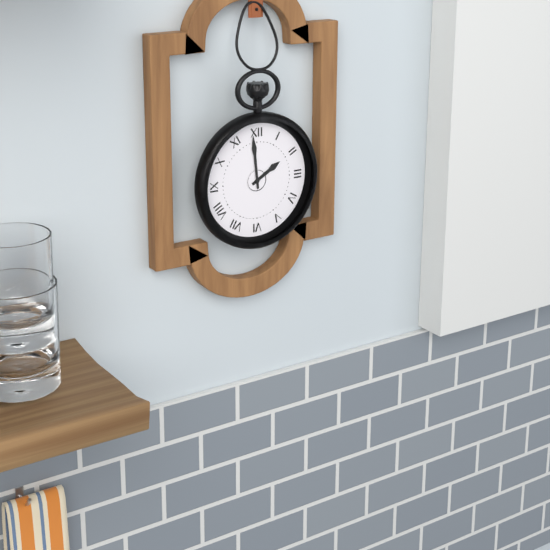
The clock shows 1:59
